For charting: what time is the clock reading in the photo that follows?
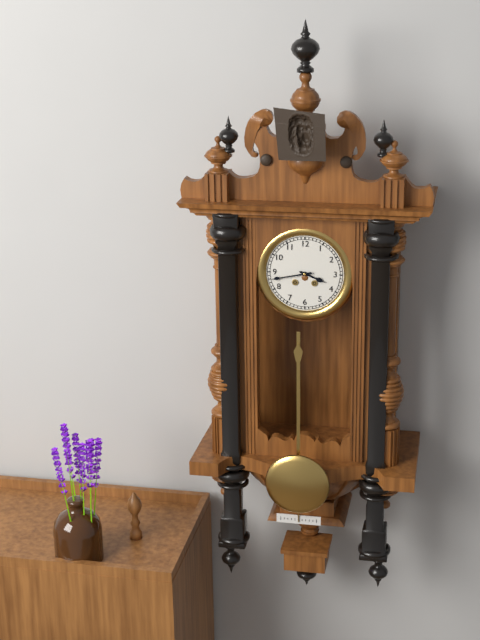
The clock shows 3:43
